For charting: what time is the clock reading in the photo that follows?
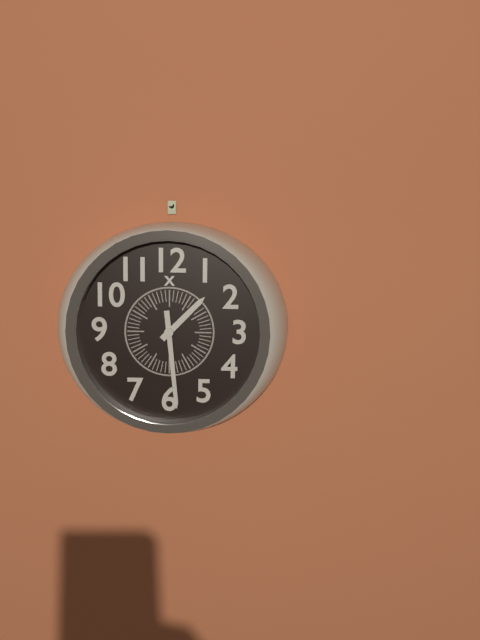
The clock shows 1:29
